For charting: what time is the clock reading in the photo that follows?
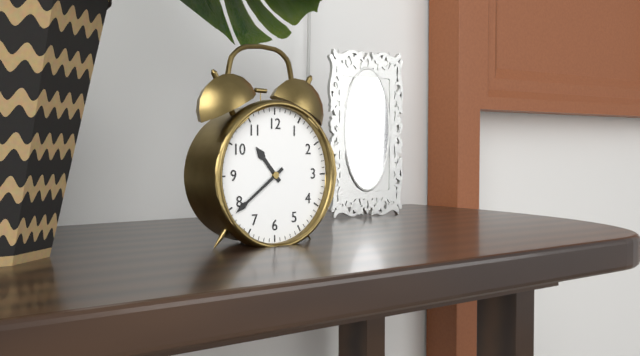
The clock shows 10:39
